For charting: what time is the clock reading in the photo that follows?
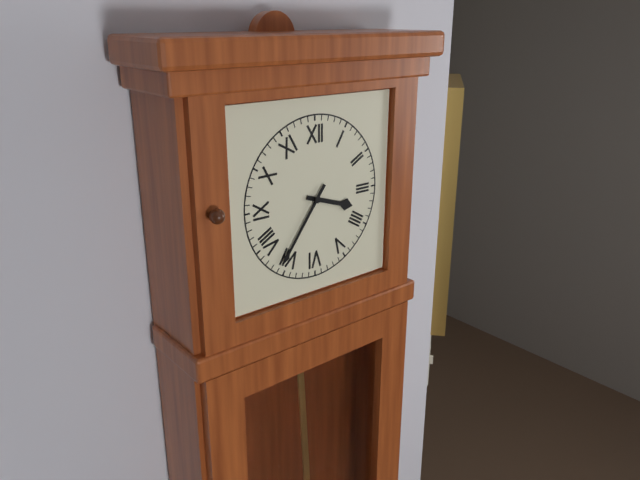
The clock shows 3:36
